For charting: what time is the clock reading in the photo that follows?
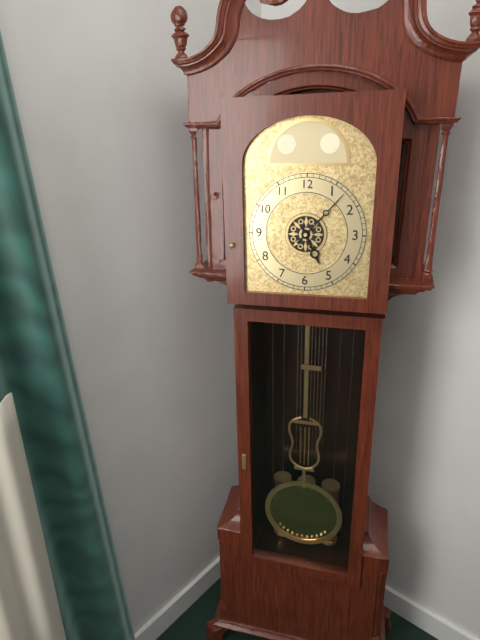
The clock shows 5:07
